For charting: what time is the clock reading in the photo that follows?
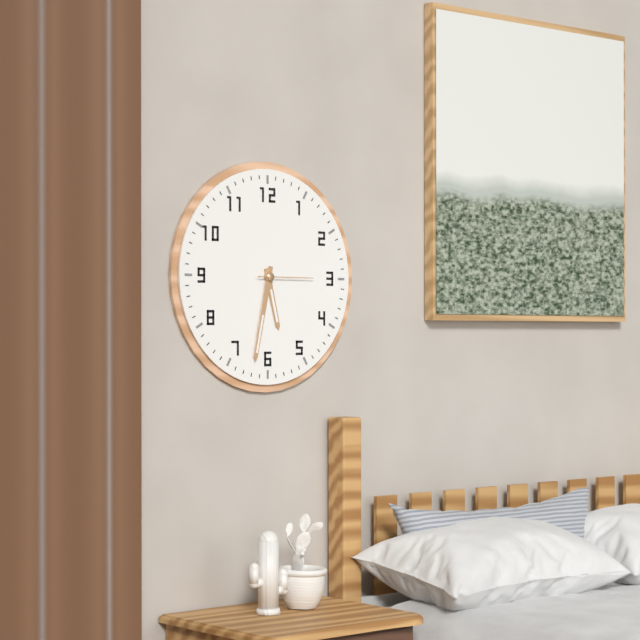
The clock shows 5:32:15
